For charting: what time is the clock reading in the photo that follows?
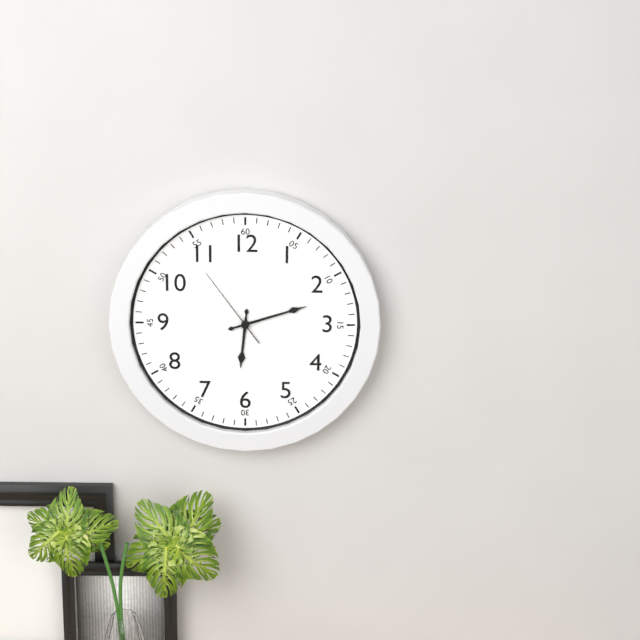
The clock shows 6:12:54
